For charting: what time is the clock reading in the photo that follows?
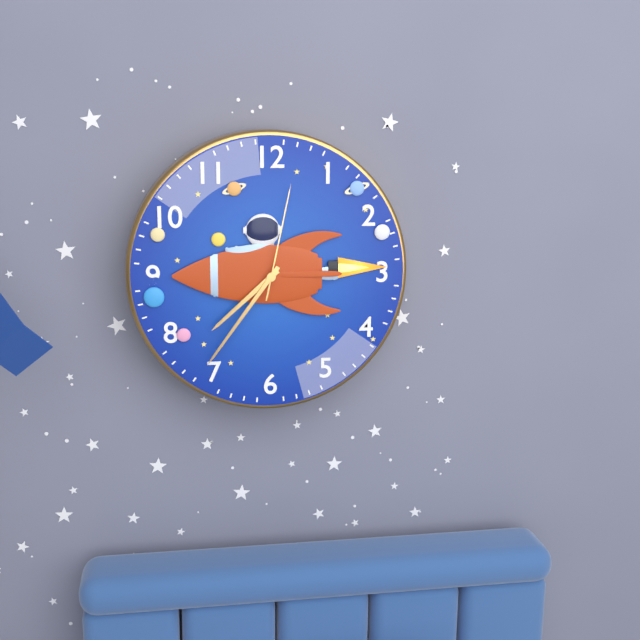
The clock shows 7:36:02
